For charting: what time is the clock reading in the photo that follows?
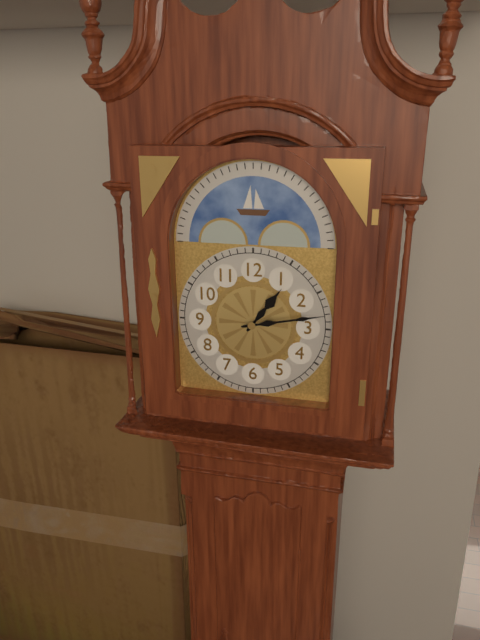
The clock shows 1:13
